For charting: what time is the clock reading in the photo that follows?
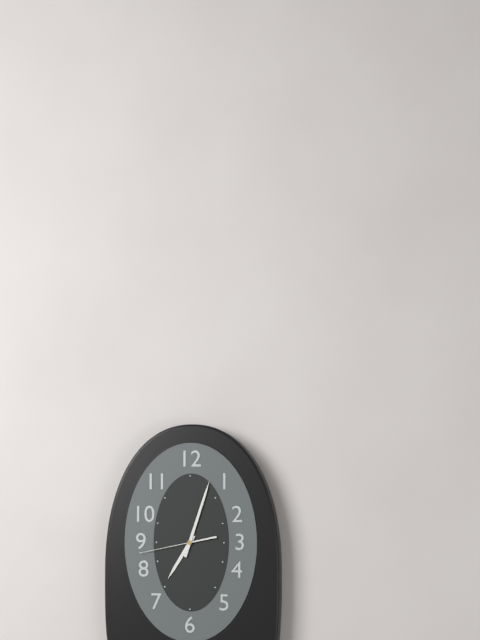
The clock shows 7:03:43
